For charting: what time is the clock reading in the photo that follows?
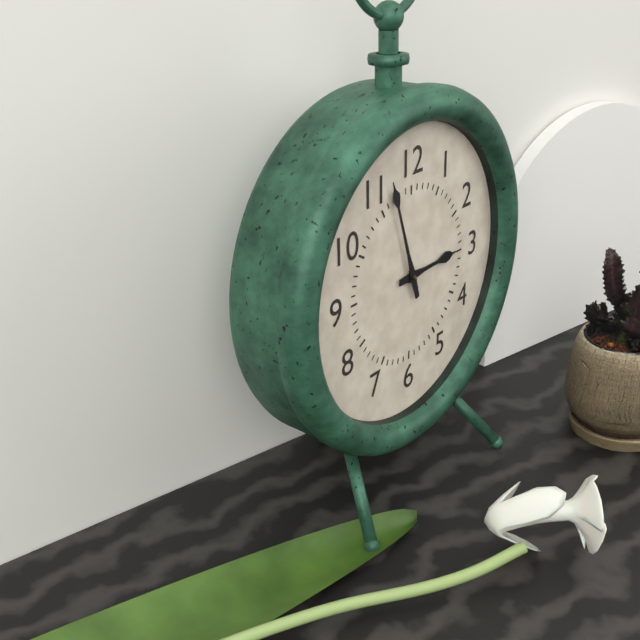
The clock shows 2:57
